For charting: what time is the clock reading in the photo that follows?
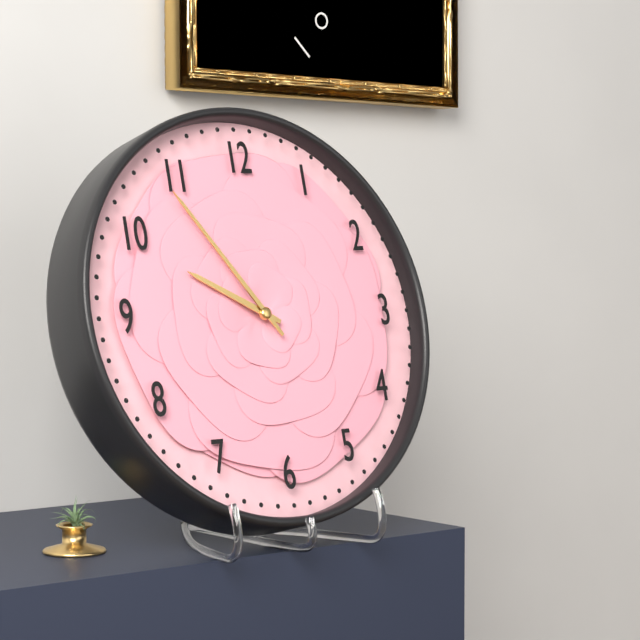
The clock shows 9:54
